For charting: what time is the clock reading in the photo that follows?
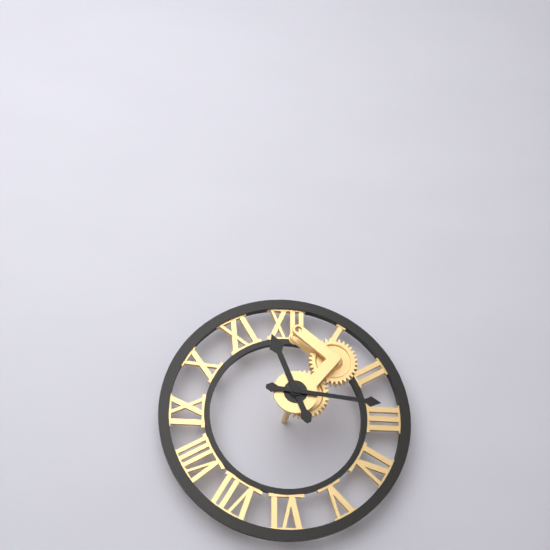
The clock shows 11:16
